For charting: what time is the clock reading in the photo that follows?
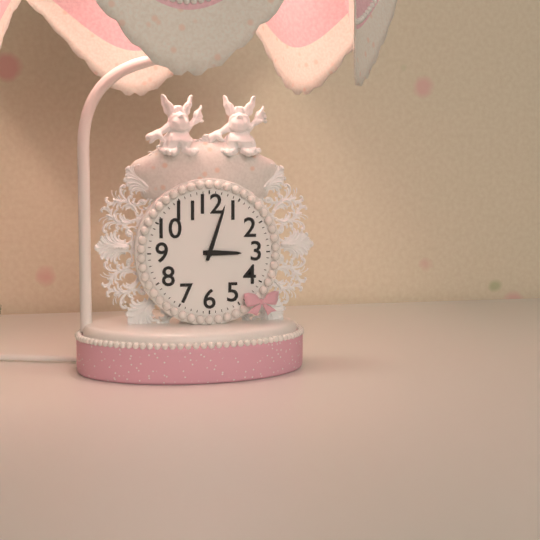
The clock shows 3:03
